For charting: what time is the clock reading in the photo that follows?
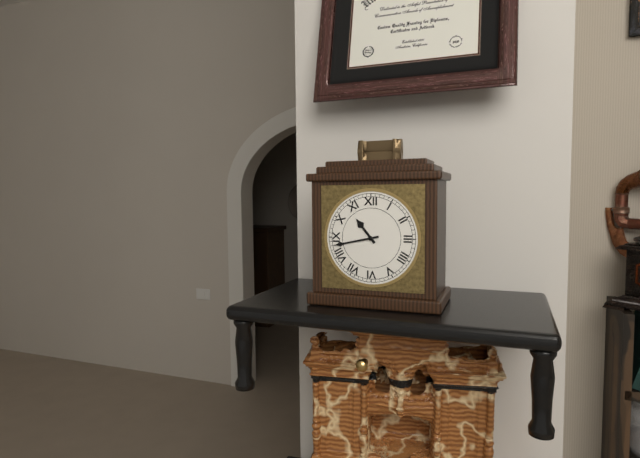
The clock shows 10:43
